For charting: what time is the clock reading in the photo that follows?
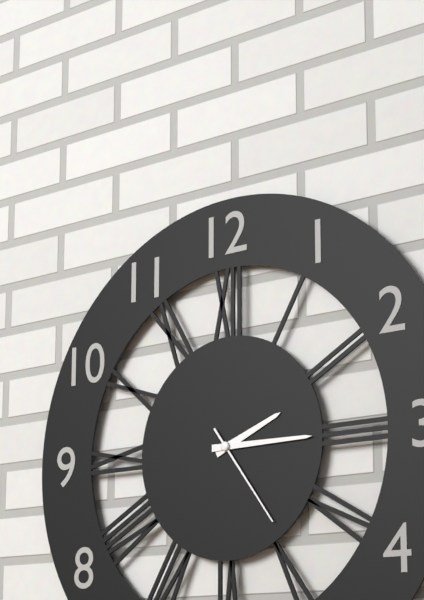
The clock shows 2:15:24
